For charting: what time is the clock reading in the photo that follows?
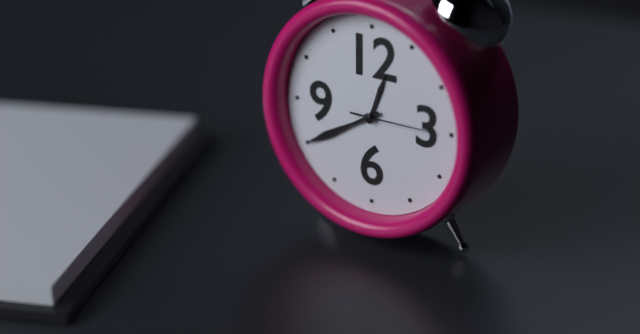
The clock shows 12:40:15
